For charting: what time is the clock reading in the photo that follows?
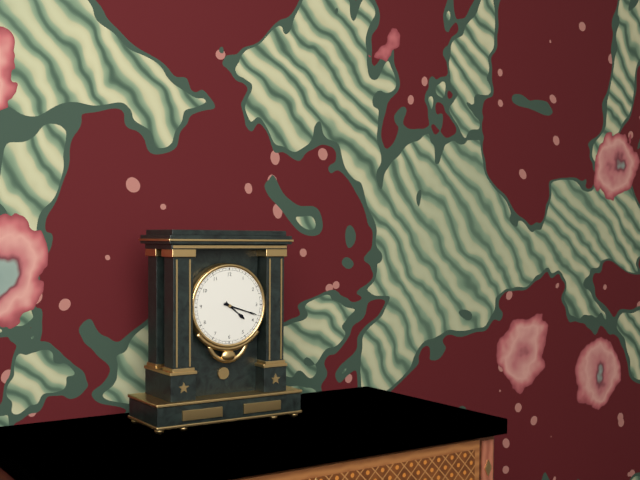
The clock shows 4:18
